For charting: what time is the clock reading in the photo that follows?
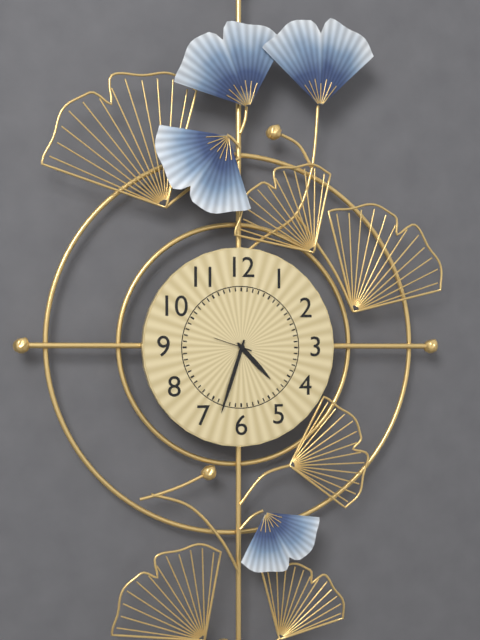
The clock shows 4:33
